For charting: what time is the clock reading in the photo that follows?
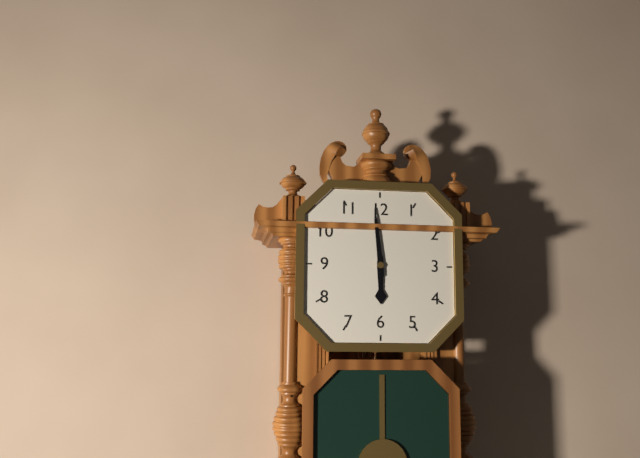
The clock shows 5:59
